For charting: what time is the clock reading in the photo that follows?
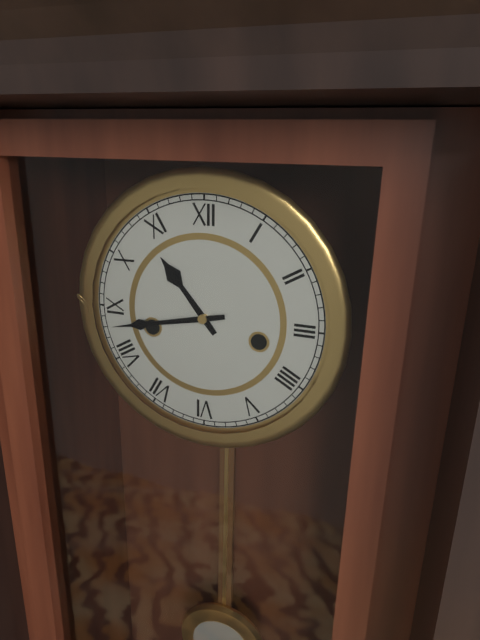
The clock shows 10:43
